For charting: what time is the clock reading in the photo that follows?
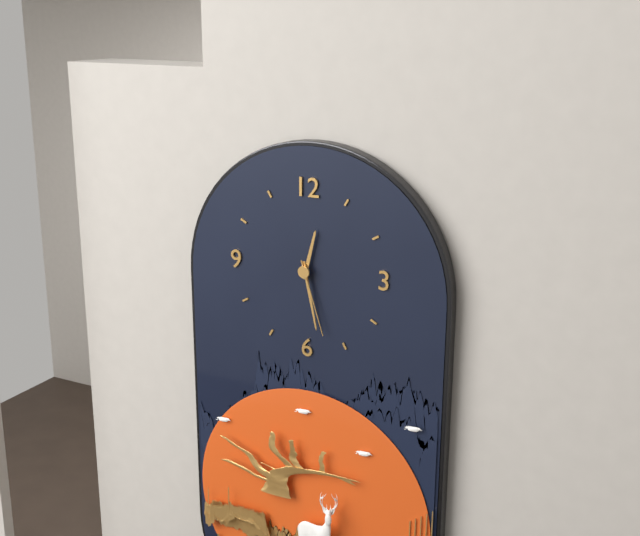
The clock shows 12:28:27
